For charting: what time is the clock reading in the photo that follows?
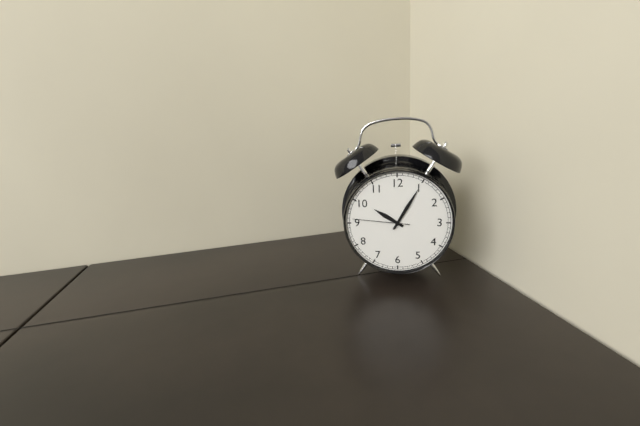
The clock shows 10:05:46
